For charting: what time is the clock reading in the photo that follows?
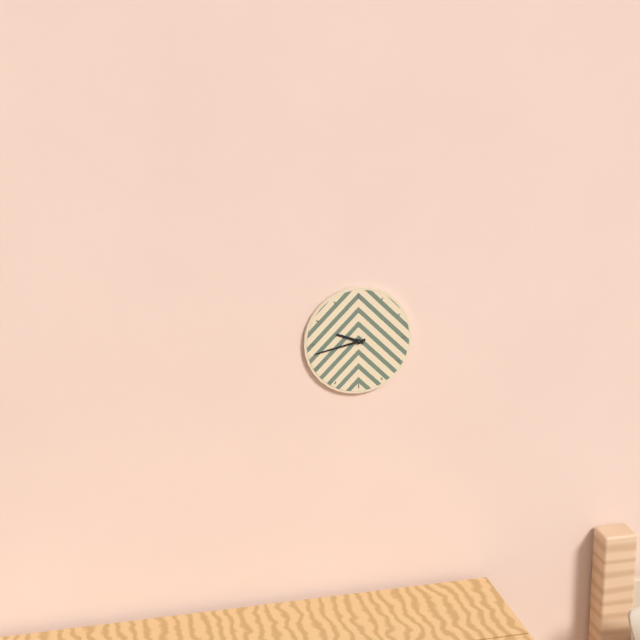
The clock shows 9:43
